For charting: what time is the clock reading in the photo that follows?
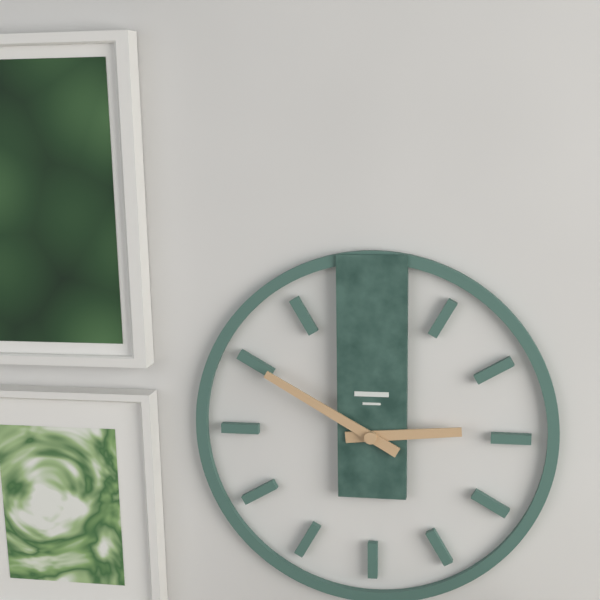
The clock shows 2:50
